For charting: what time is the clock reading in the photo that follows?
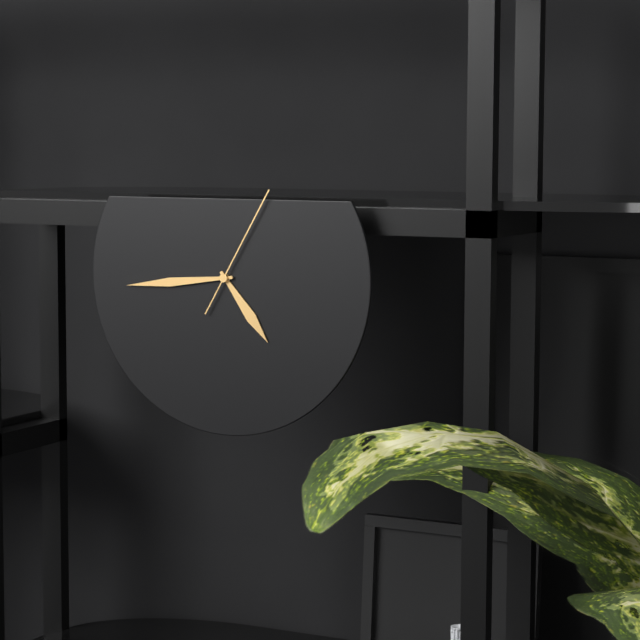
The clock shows 4:44:05
